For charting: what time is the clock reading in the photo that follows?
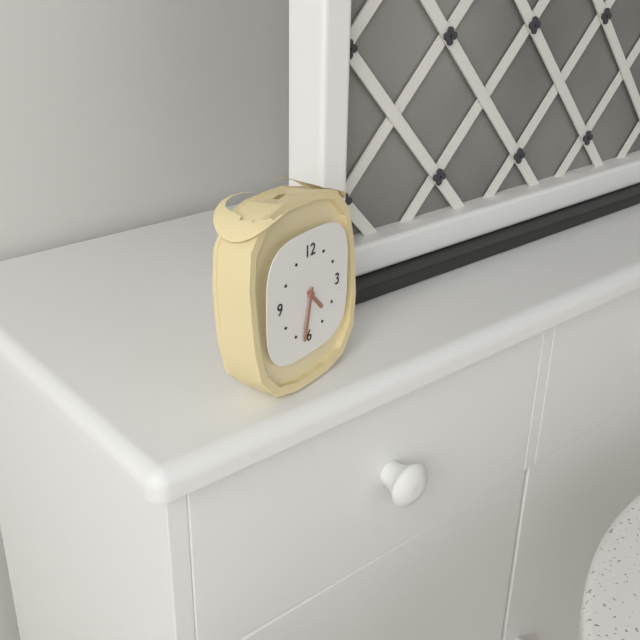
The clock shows 4:32
